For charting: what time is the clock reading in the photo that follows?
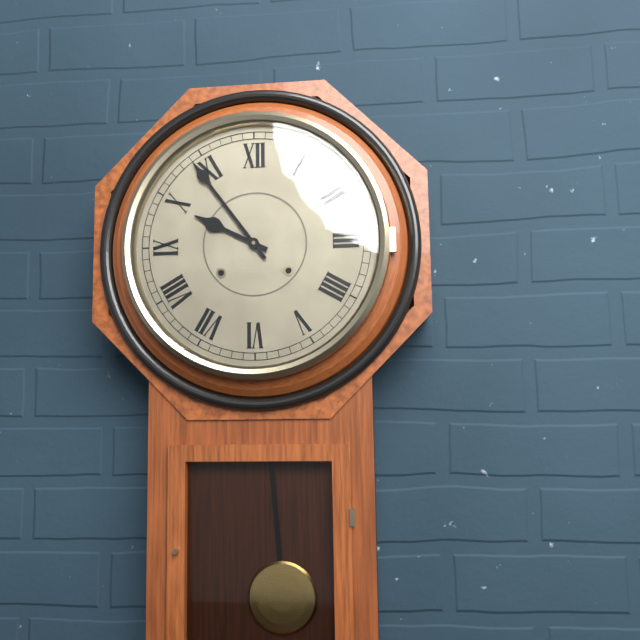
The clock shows 9:54
